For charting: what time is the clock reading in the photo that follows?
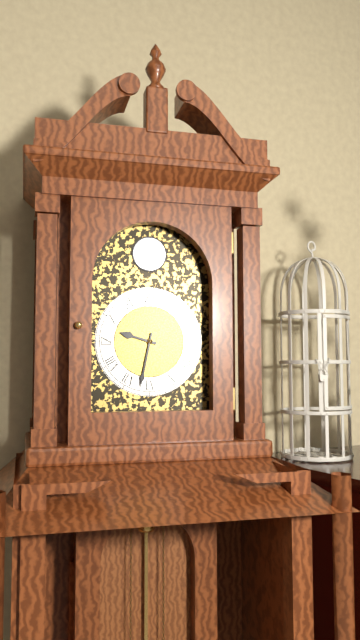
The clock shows 9:32
